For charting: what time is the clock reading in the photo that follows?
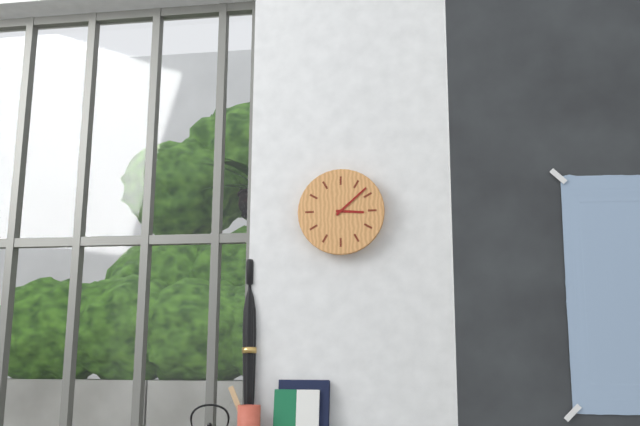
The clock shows 3:08
